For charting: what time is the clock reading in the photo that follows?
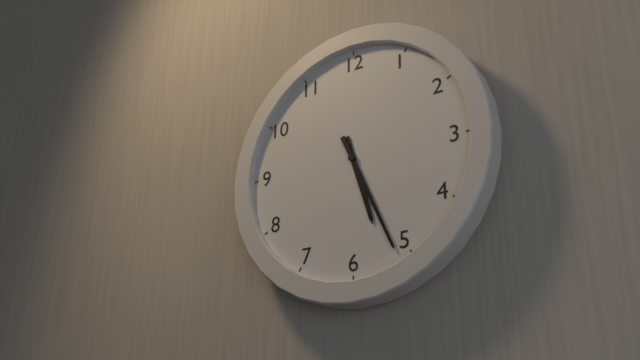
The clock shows 5:26
